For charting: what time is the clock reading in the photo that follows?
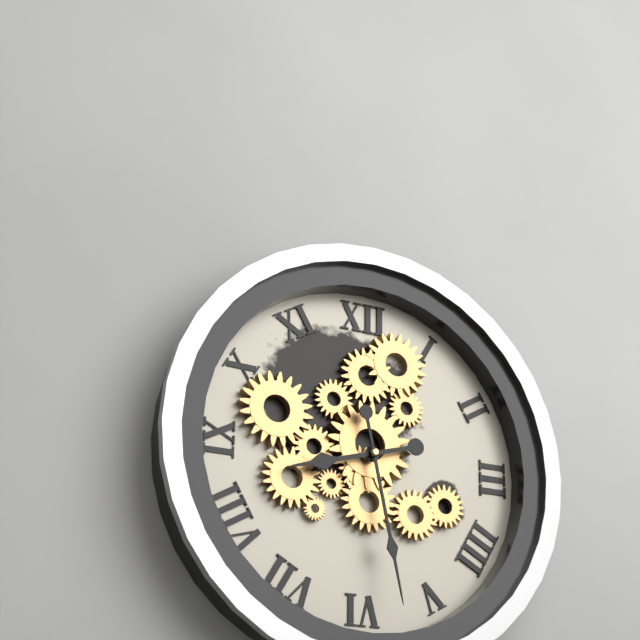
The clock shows 8:28
